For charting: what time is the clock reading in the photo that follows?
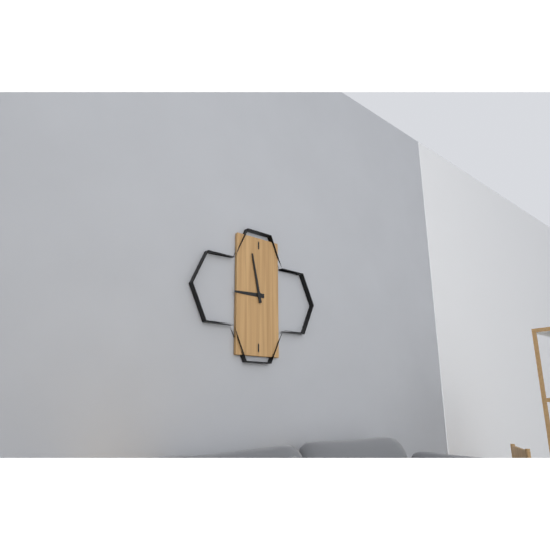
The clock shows 8:58
